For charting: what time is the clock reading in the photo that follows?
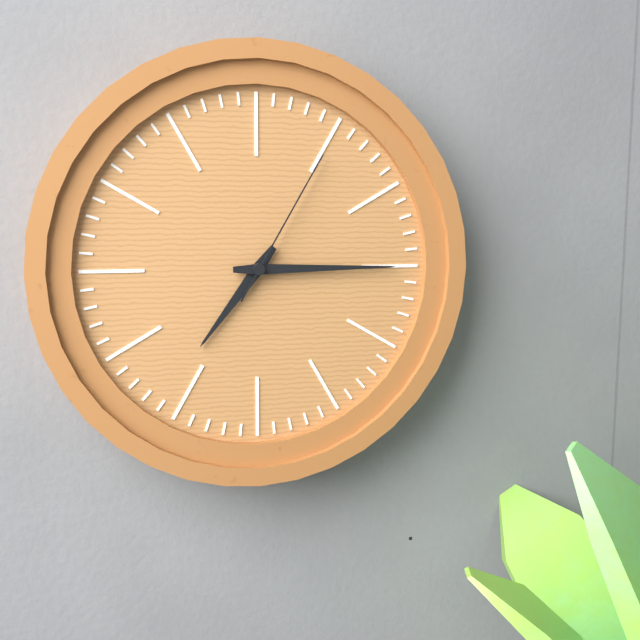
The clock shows 7:15:05
